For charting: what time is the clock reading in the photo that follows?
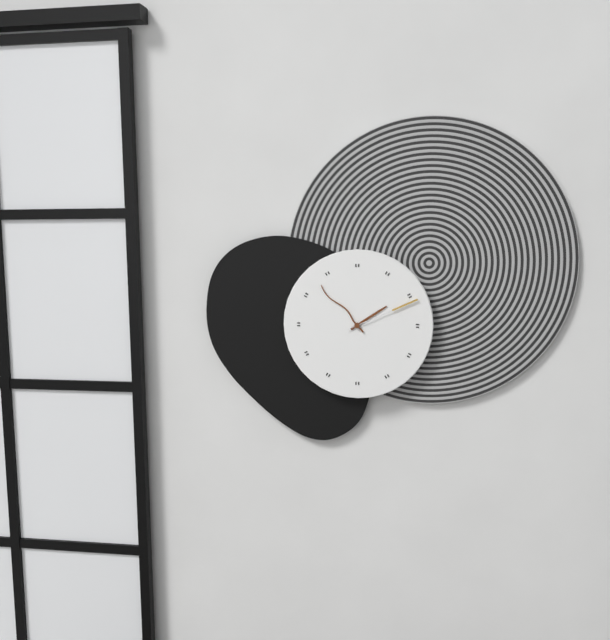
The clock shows 1:53:11
